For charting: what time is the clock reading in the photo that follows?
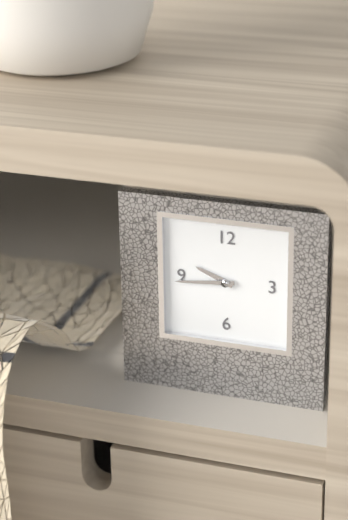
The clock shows 9:44
